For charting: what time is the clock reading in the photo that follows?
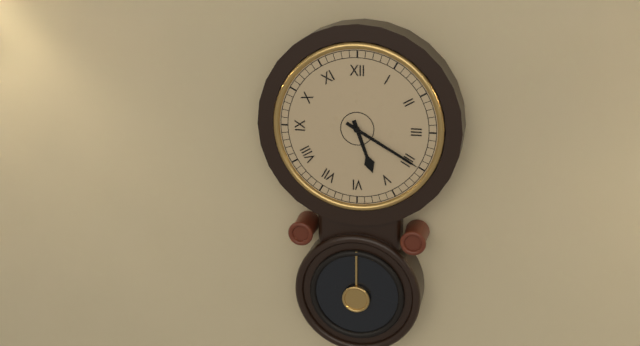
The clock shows 5:20
